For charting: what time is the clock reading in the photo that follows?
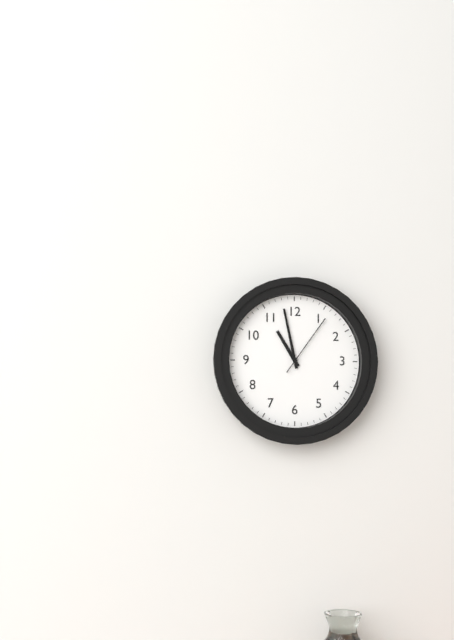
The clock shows 10:58:06
